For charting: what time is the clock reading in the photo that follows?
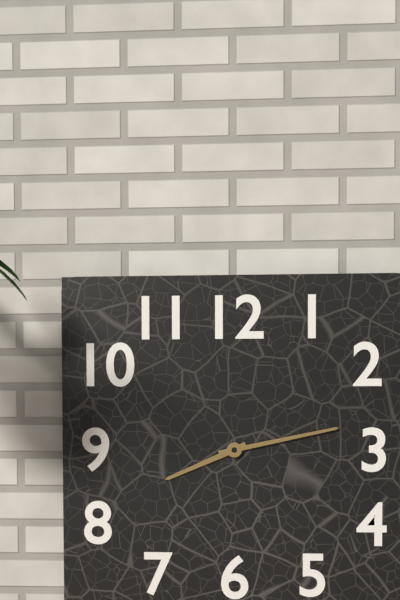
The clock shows 8:13
